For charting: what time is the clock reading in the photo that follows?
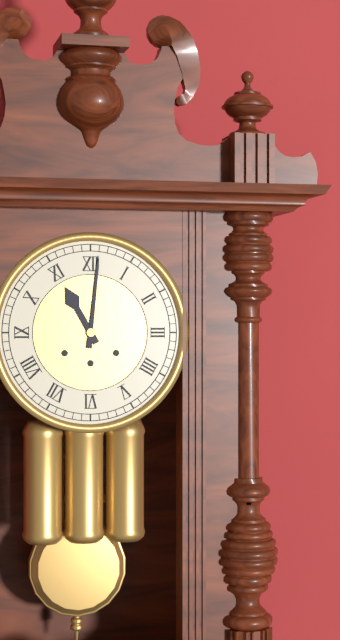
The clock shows 11:01
